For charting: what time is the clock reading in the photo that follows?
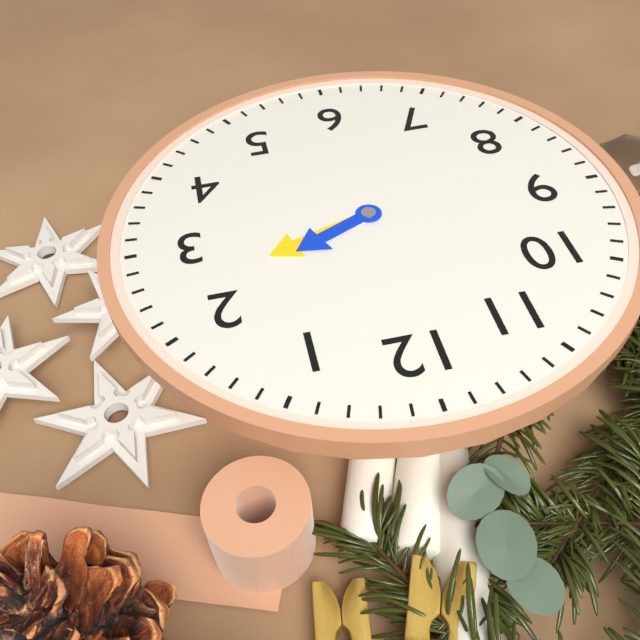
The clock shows 2:12
